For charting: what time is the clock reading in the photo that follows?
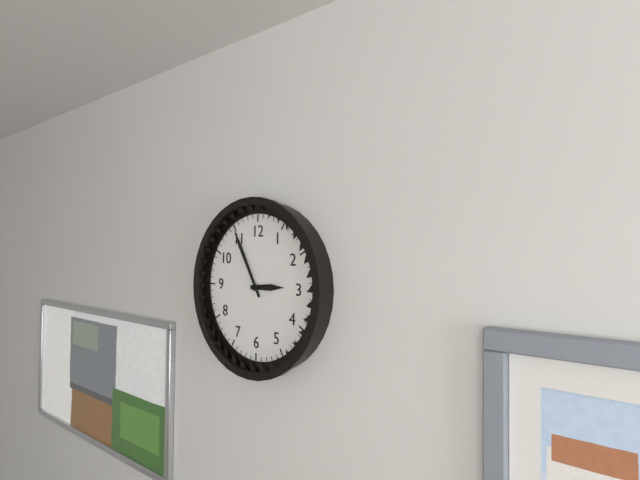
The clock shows 2:55
